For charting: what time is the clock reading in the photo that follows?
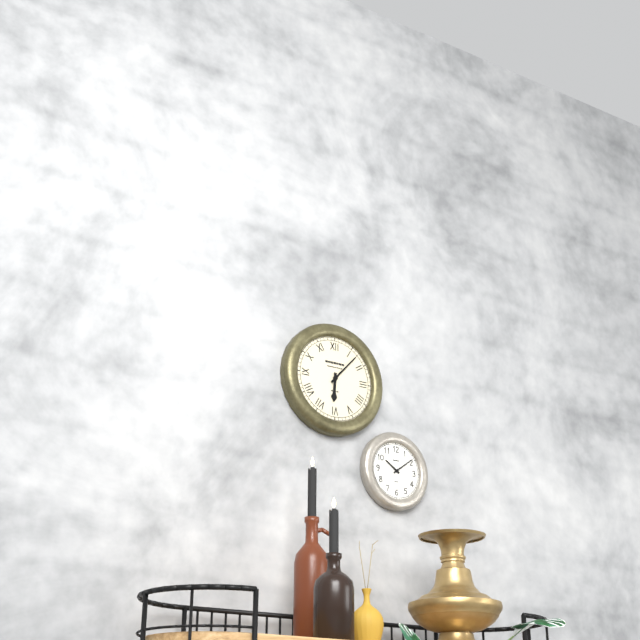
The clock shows 6:07
